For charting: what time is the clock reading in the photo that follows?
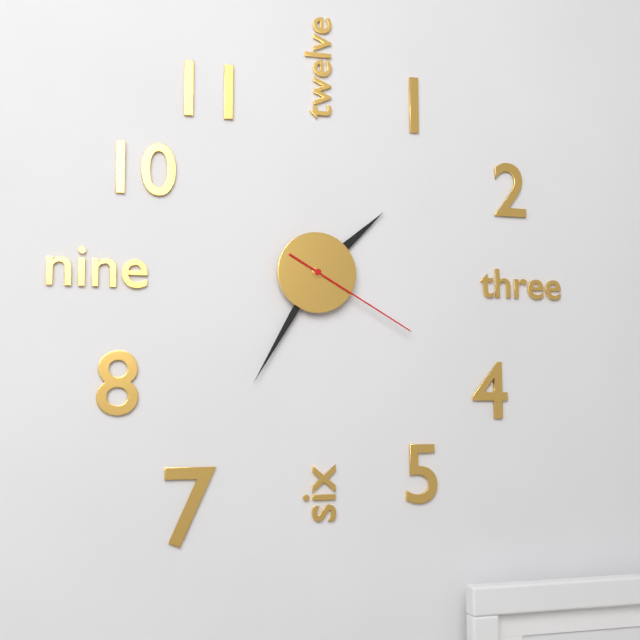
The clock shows 1:35:20
